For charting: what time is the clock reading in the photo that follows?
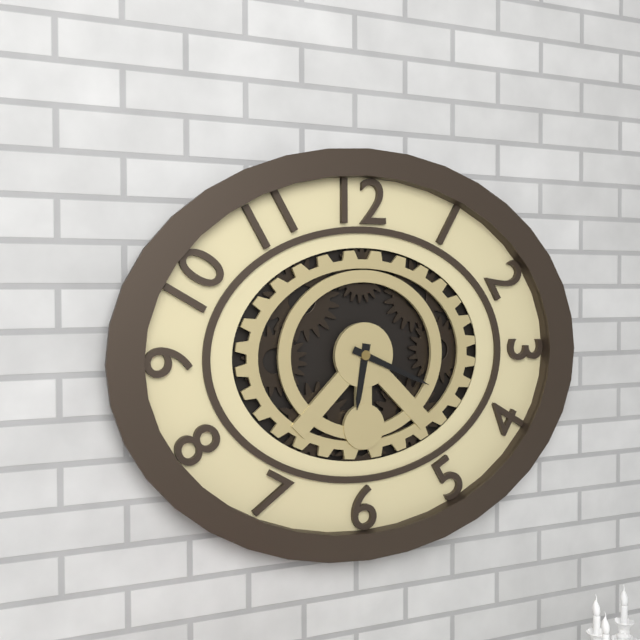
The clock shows 6:19
